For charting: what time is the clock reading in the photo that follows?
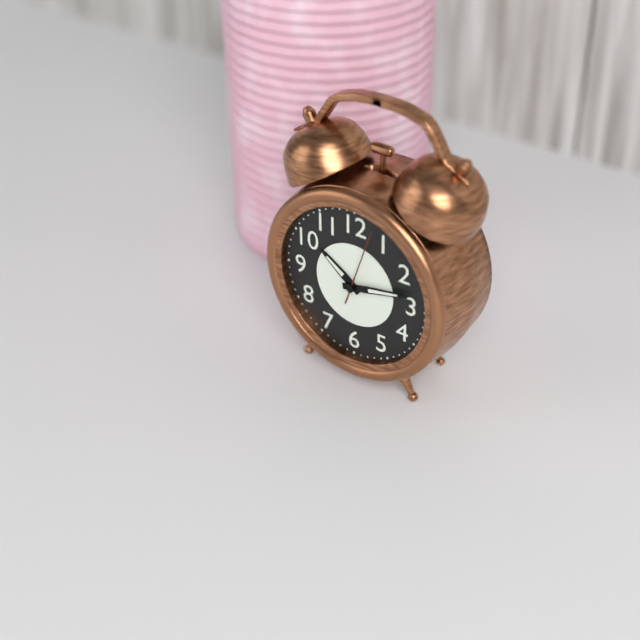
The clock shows 10:13:03
